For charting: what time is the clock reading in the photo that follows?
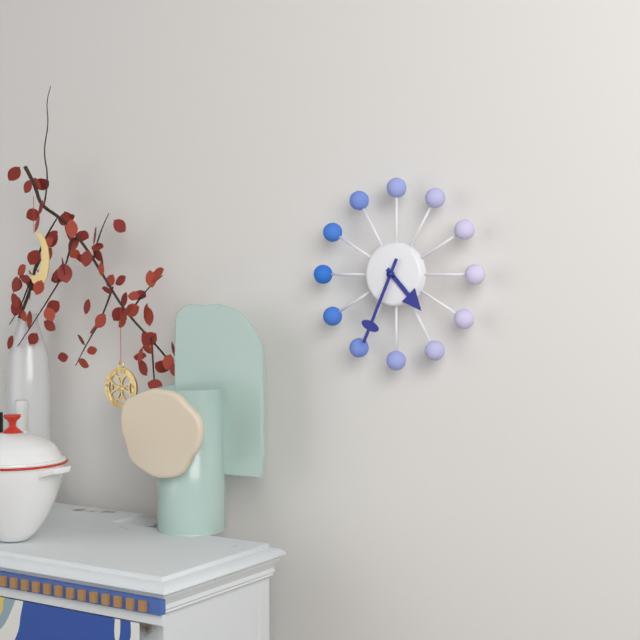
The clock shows 4:34
